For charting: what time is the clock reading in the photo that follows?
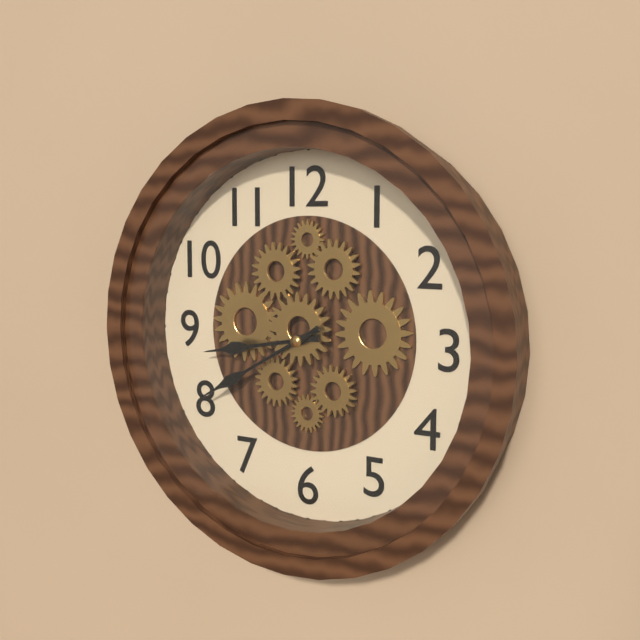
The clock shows 8:40
